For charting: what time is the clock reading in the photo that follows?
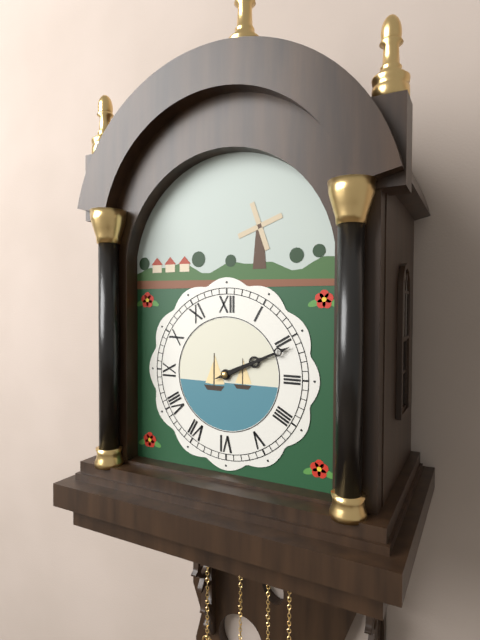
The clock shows 2:11
